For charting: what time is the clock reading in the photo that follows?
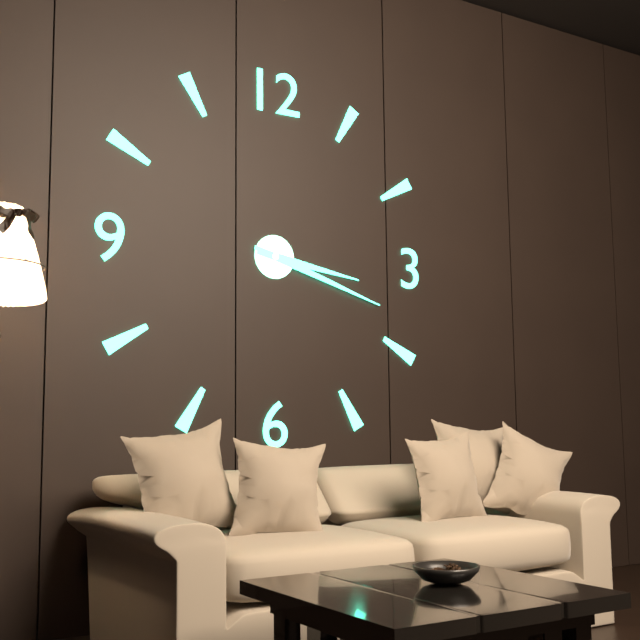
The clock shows 3:18
